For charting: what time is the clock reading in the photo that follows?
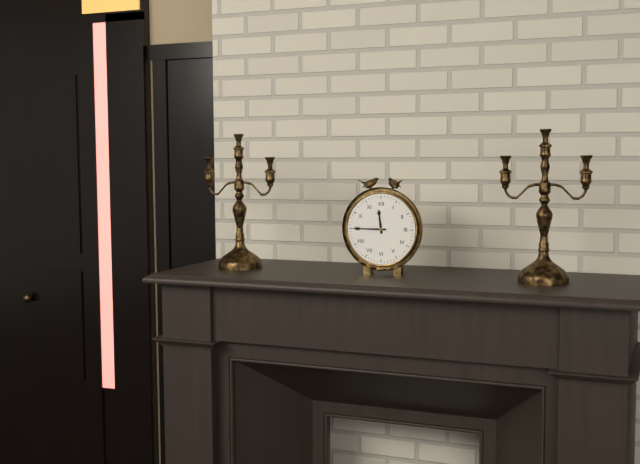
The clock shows 11:45
